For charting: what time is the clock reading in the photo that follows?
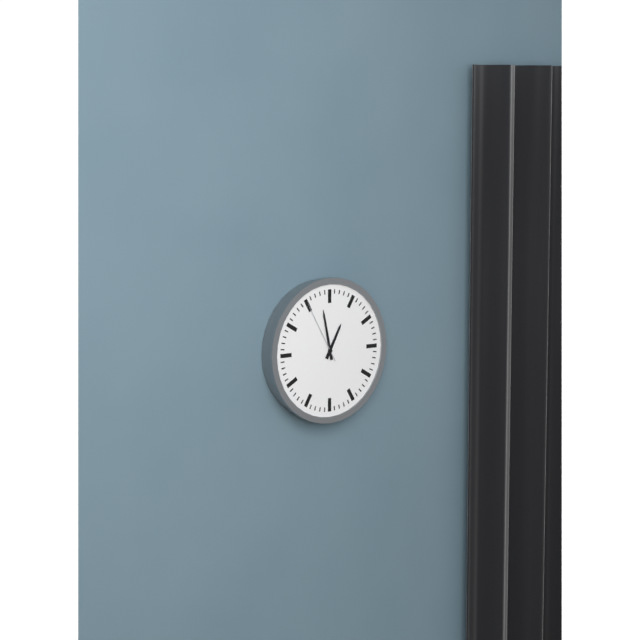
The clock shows 12:58:55
